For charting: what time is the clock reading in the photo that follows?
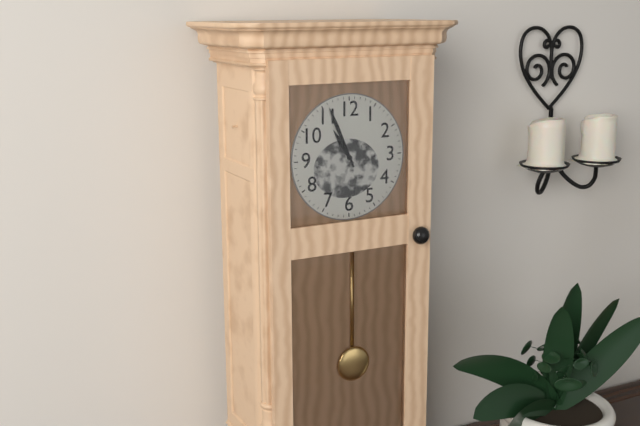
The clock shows 10:56
